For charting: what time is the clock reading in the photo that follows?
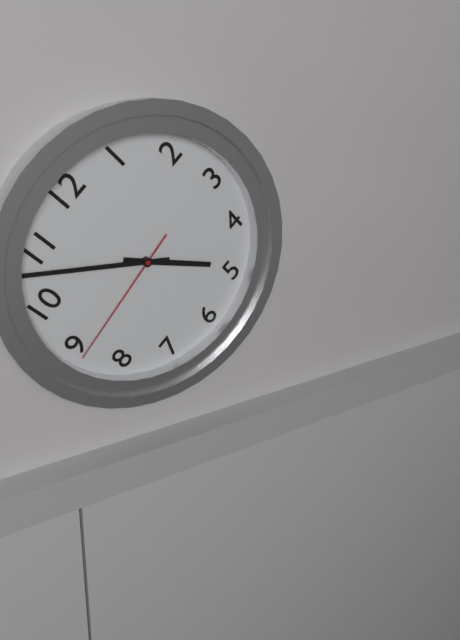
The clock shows 4:53:44
